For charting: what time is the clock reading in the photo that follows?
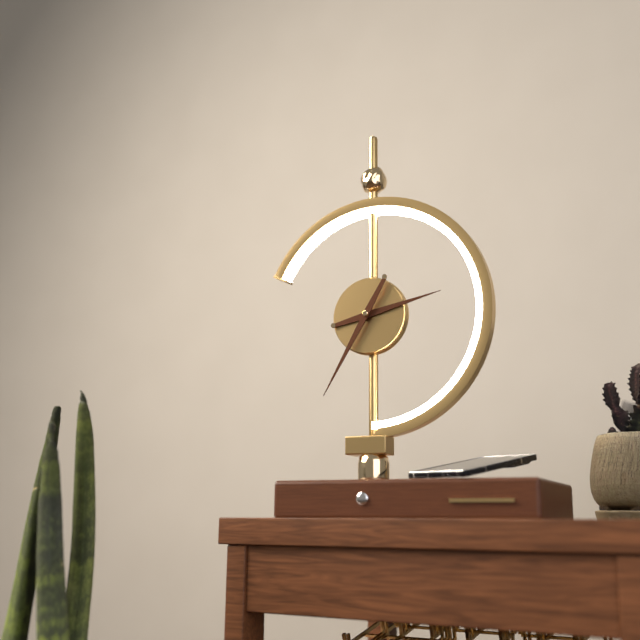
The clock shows 2:35
